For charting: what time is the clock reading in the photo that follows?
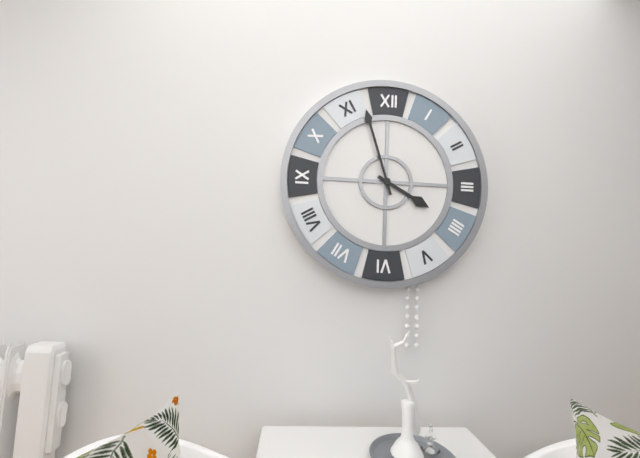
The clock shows 3:57
